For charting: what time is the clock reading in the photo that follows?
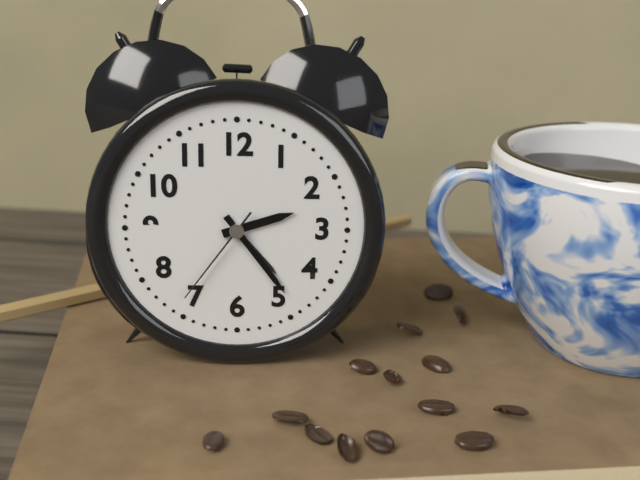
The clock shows 2:24:36
